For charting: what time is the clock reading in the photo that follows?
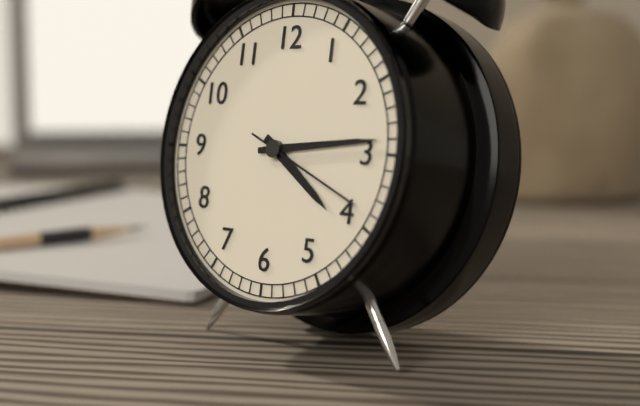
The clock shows 4:14:19
